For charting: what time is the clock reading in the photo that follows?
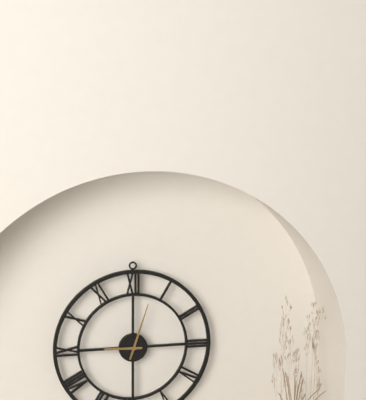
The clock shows 9:03
